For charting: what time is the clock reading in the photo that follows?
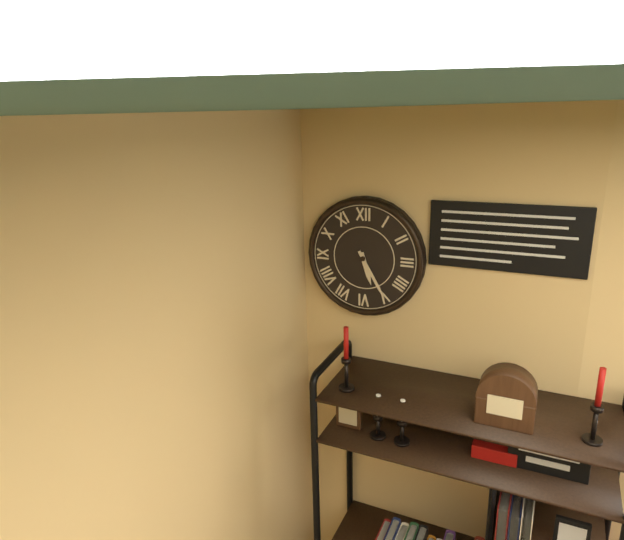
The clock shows 5:25
